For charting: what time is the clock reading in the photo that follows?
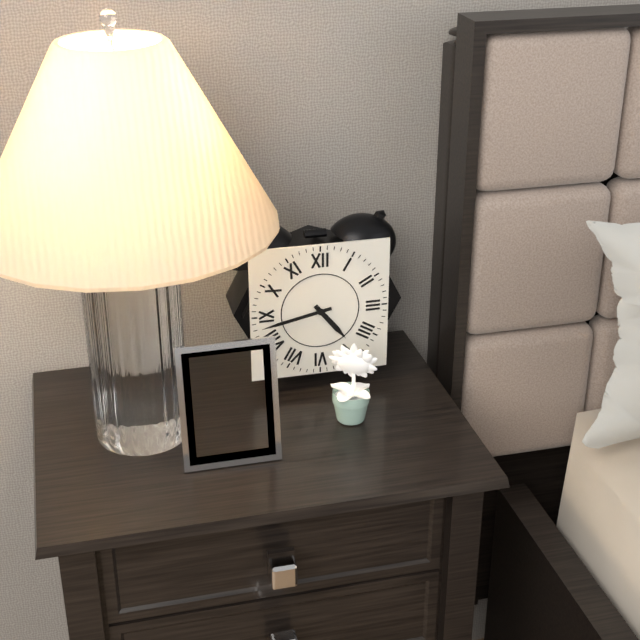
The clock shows 4:43
